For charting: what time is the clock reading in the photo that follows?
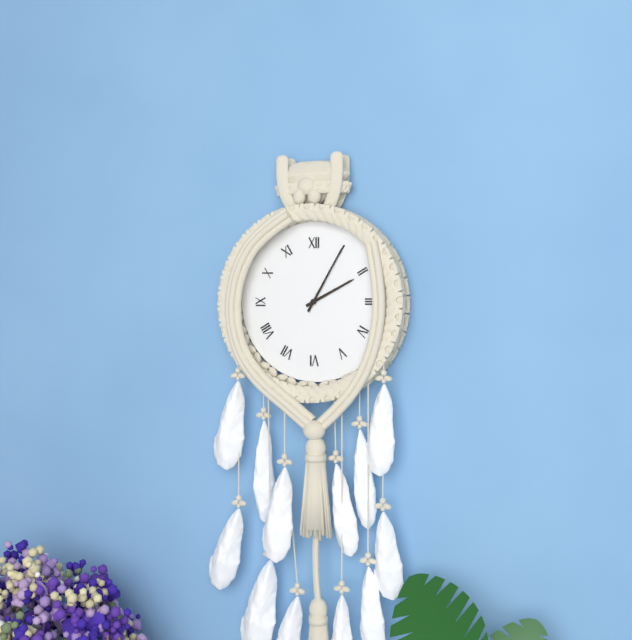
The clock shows 2:05
